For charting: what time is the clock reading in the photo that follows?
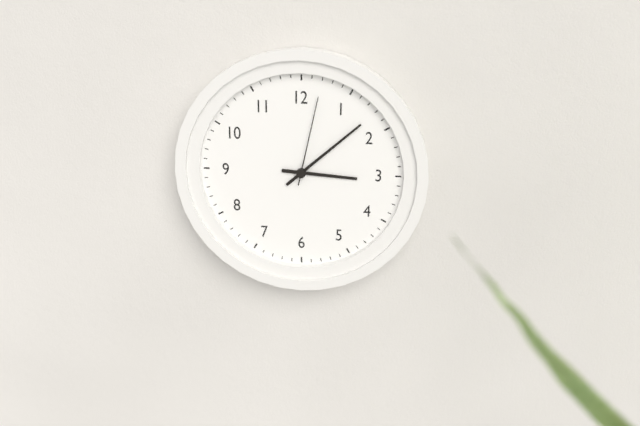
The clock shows 3:08:02
